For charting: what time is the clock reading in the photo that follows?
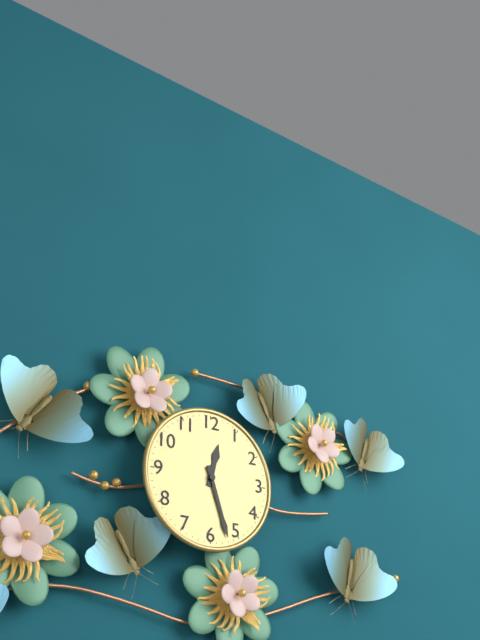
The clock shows 12:27
